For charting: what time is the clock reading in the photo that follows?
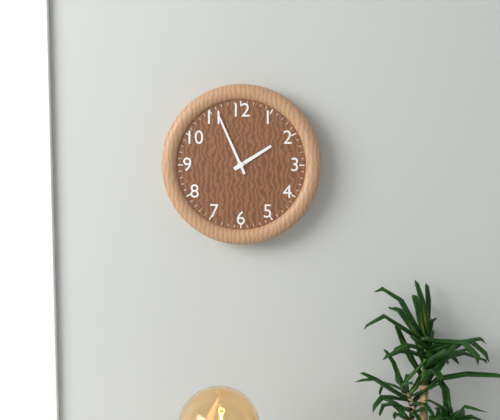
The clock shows 1:56
